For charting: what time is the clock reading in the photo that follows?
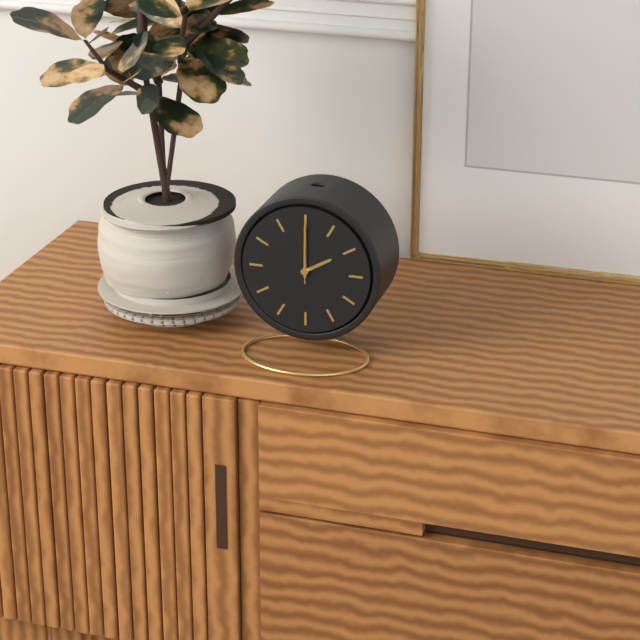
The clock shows 2:00:00
